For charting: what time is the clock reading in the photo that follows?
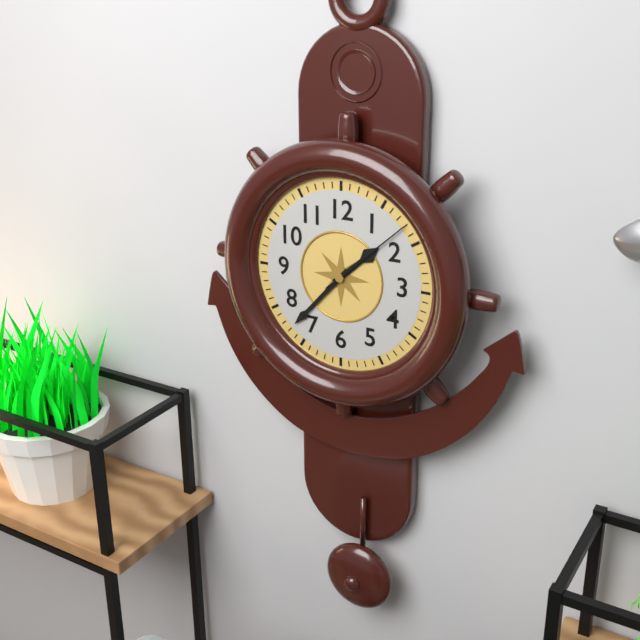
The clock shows 1:37:08
